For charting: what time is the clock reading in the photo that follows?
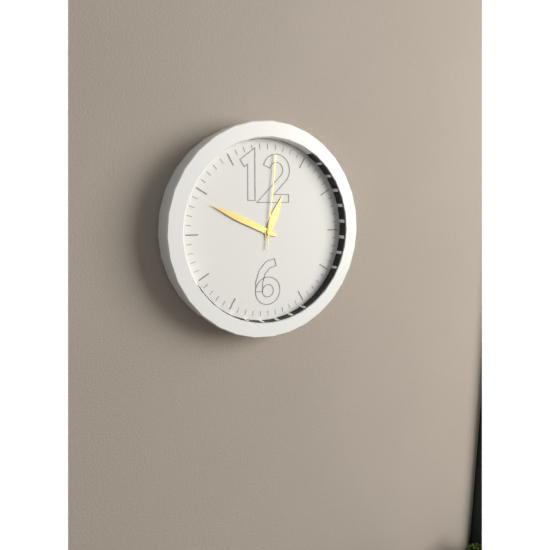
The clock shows 12:49:01
